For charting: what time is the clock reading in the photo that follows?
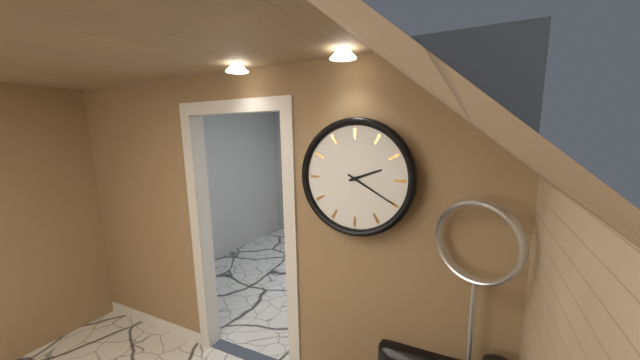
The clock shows 2:20
